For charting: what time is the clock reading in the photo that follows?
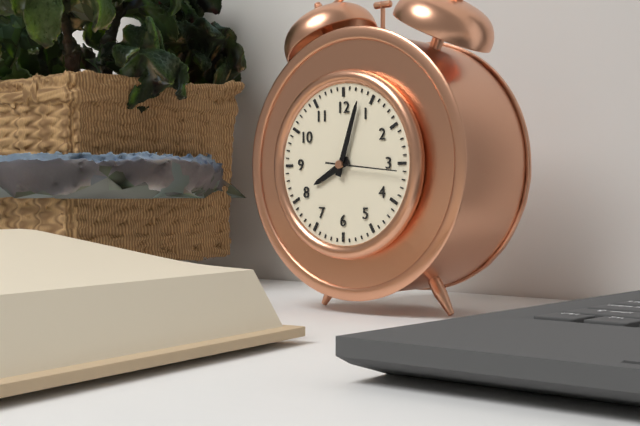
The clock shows 8:03:16
